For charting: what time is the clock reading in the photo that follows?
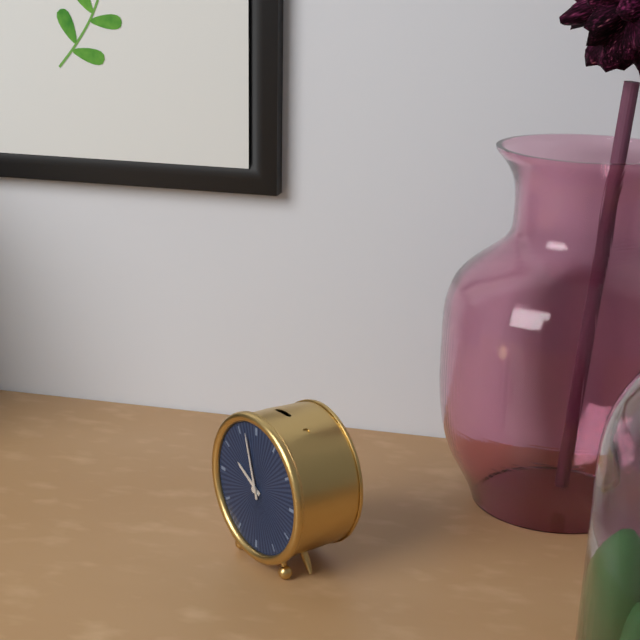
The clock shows 9:57
